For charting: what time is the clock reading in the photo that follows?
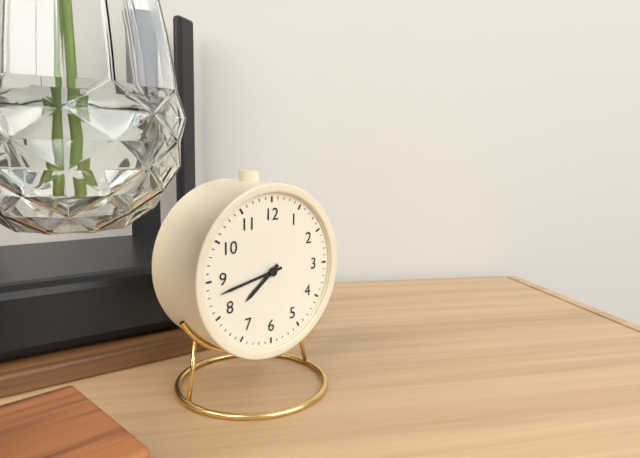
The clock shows 7:43
